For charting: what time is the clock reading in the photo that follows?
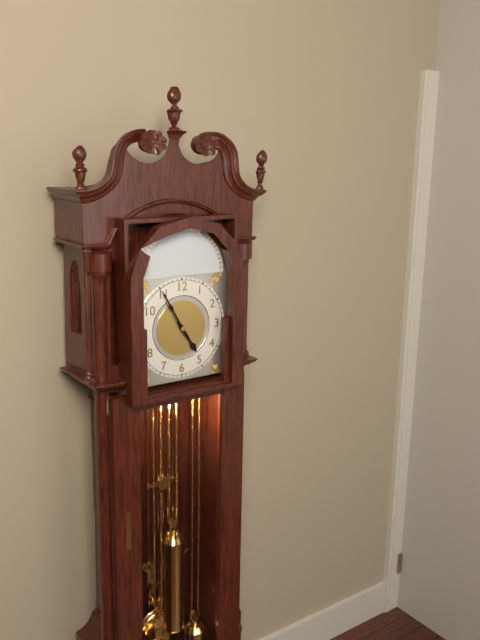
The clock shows 4:55
